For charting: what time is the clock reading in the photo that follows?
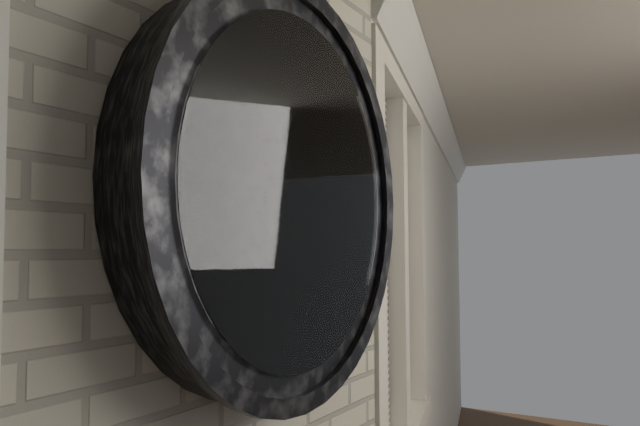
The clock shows 2:23
